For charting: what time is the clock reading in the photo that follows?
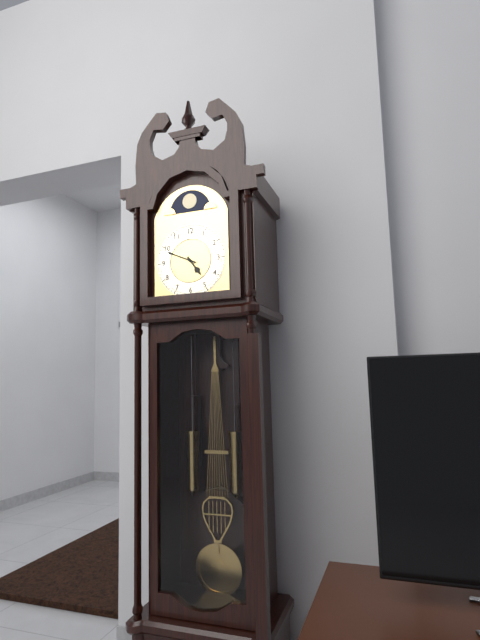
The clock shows 4:49
